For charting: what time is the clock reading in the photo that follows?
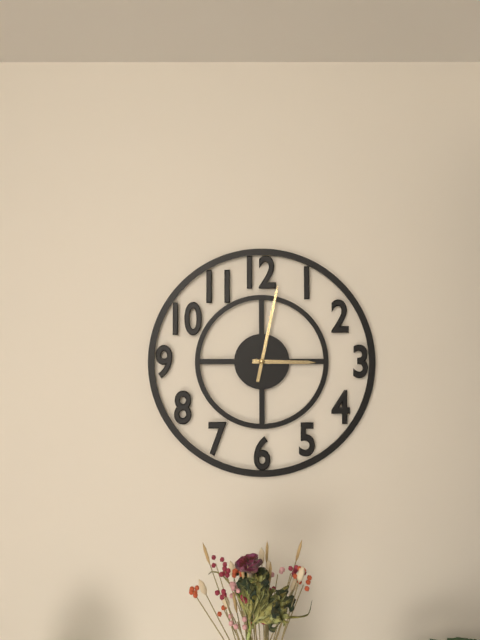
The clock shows 3:02
